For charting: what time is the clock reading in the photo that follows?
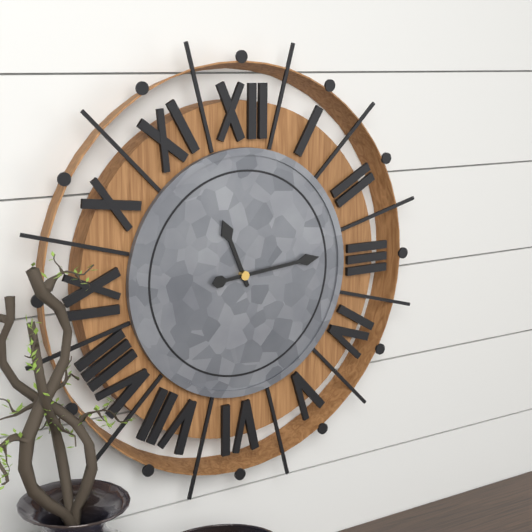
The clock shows 11:14
